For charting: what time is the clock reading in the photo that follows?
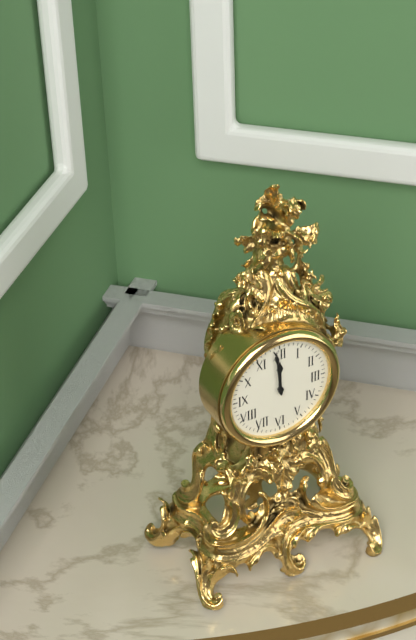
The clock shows 11:59
